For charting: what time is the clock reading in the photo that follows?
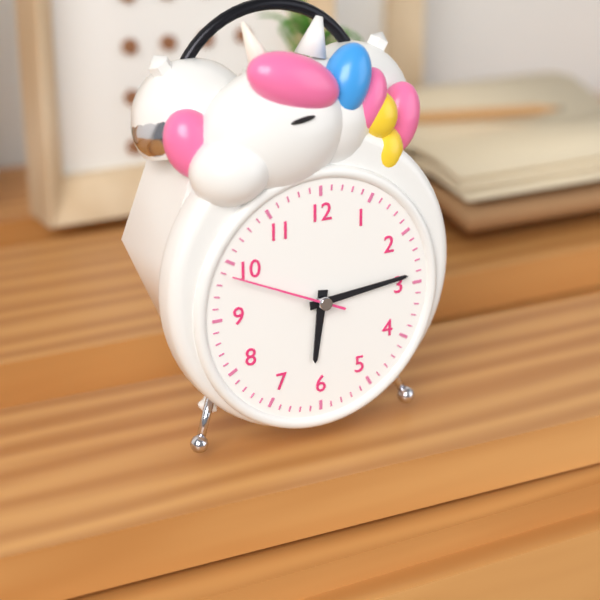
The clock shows 6:14:49
